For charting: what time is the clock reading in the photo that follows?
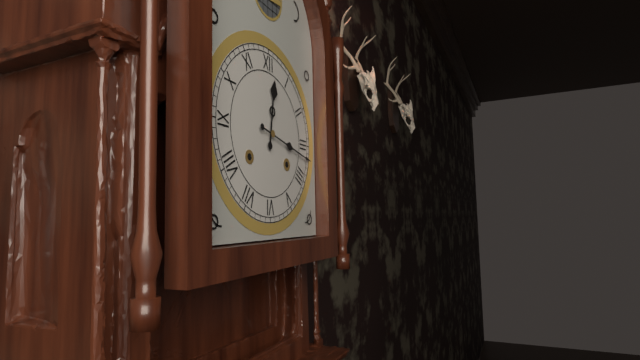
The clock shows 12:17
